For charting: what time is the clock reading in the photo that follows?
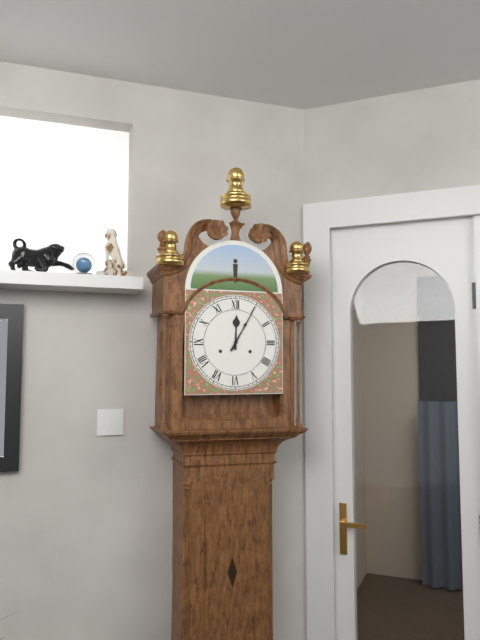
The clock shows 12:05
